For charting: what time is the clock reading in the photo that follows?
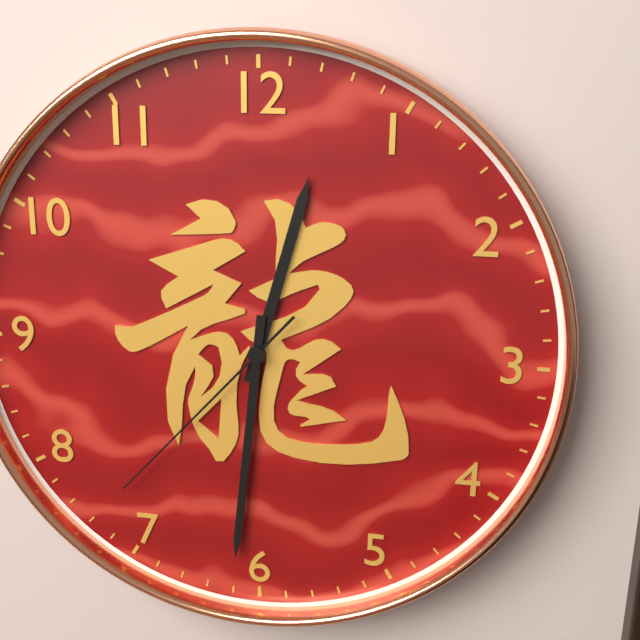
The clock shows 12:31:37
